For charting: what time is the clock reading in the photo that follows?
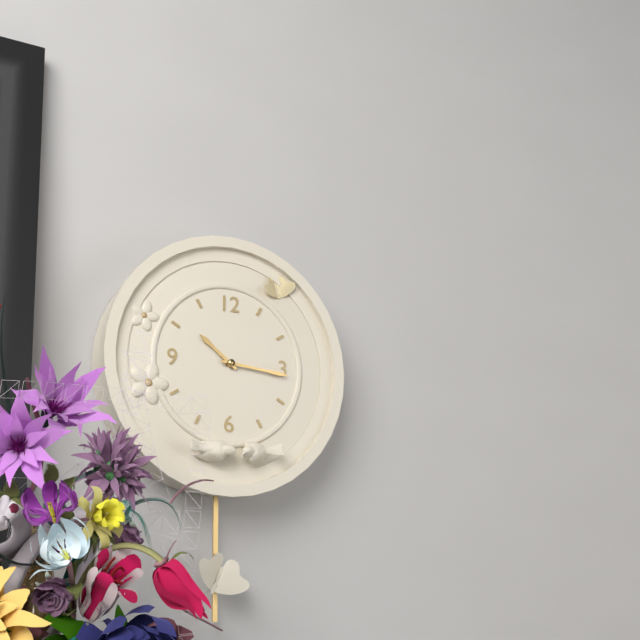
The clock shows 10:16
